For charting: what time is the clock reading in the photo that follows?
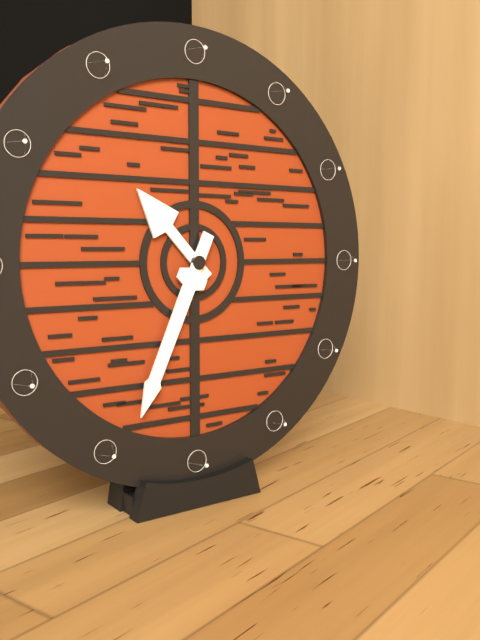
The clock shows 10:34
